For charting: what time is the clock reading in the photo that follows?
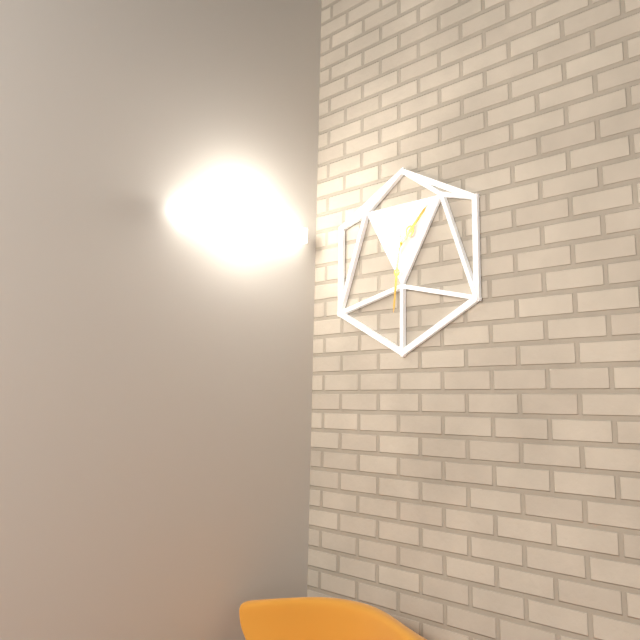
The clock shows 1:31
